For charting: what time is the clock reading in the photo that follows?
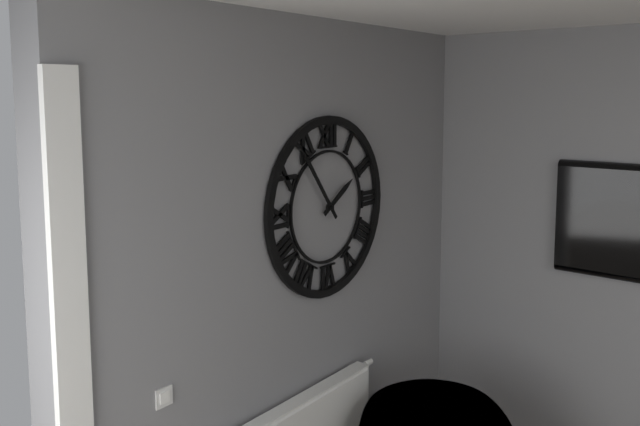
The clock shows 1:54
